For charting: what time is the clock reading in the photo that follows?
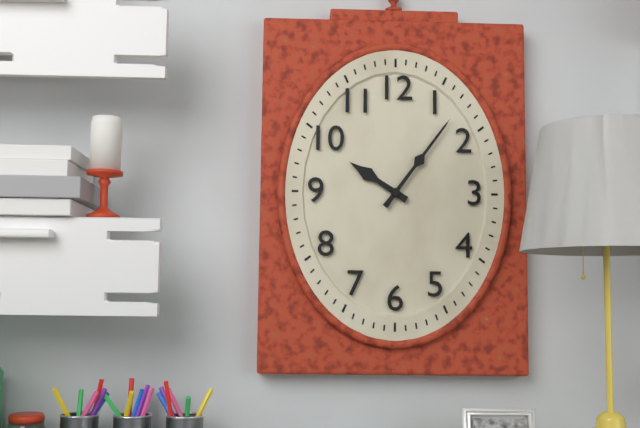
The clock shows 10:06
